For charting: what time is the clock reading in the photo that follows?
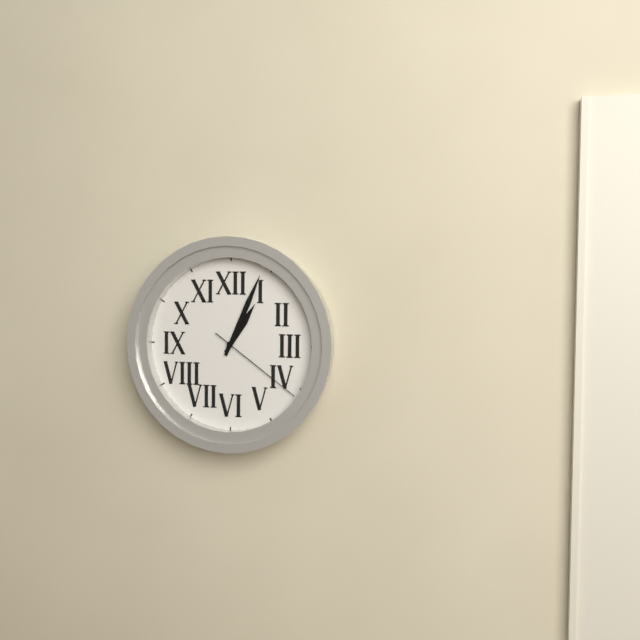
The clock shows 1:04:21
